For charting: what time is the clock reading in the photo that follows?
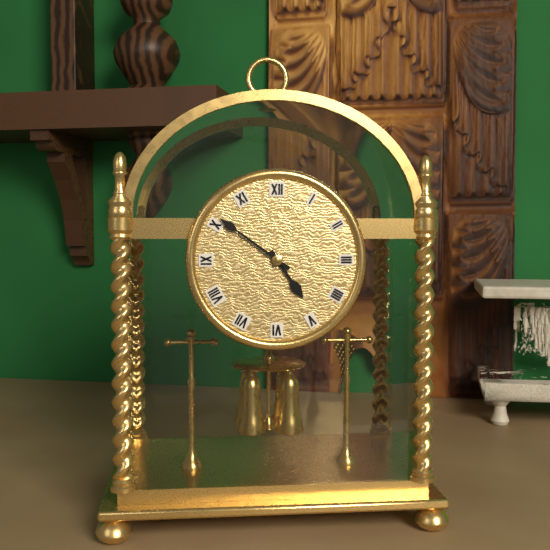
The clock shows 4:51
